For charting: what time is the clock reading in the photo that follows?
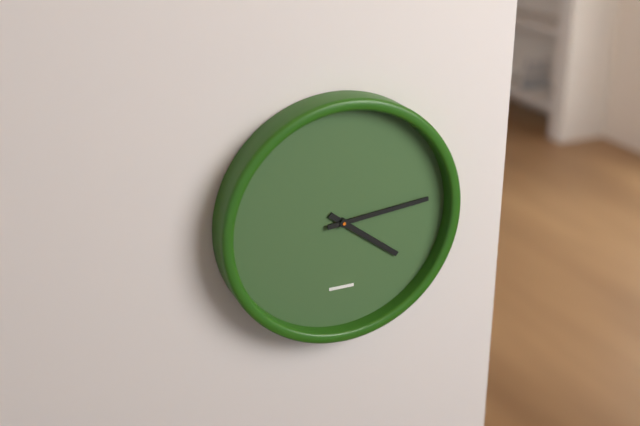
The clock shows 4:14
